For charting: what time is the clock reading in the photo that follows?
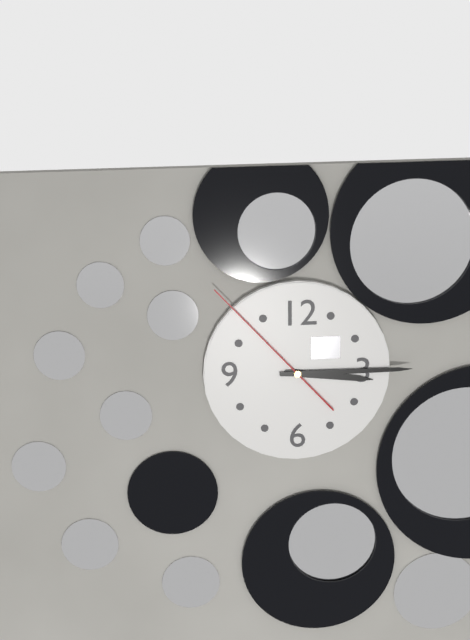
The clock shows 3:15:53
